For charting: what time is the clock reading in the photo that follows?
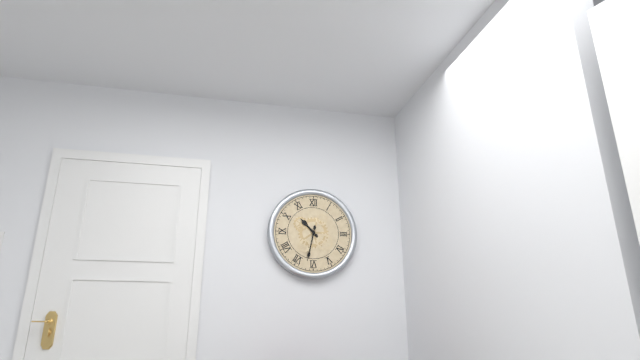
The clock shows 10:32
